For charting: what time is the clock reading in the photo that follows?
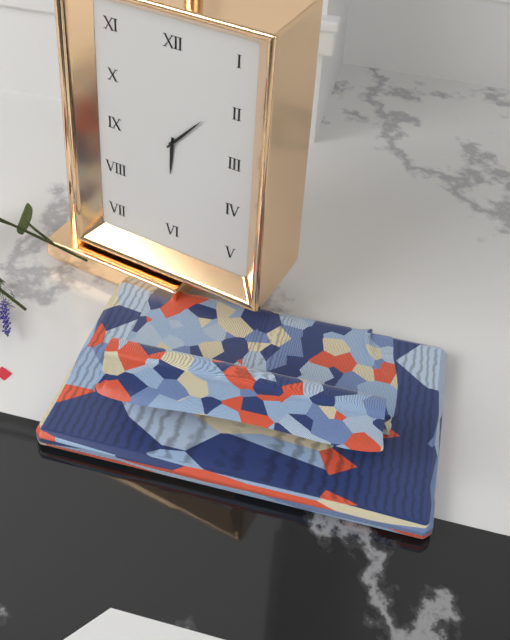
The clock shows 6:07
